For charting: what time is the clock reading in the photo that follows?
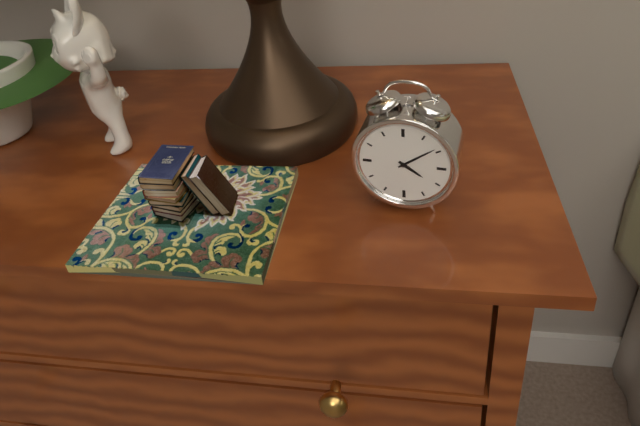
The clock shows 4:09
